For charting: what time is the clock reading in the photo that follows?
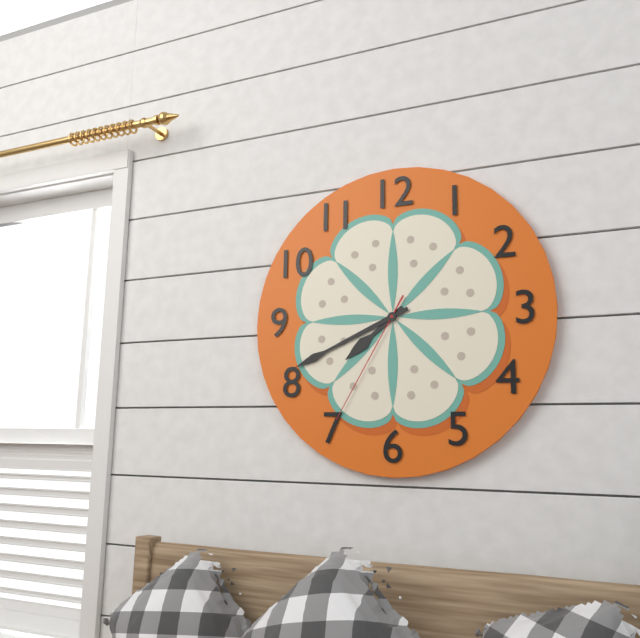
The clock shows 7:41:35
